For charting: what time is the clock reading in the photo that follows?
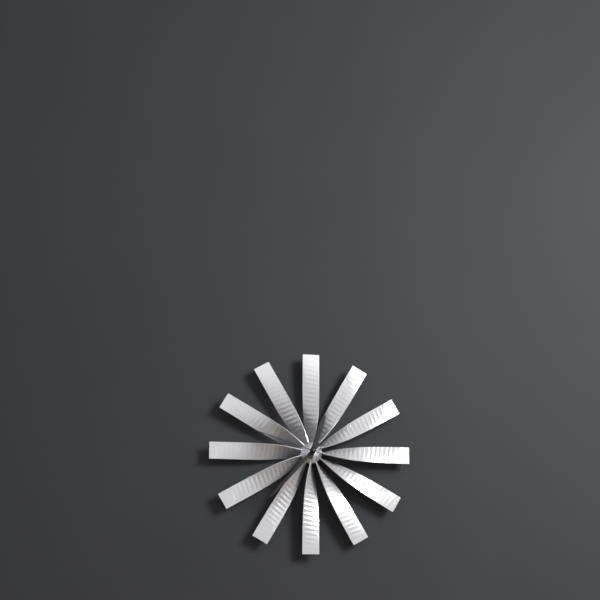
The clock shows 12:37:48
